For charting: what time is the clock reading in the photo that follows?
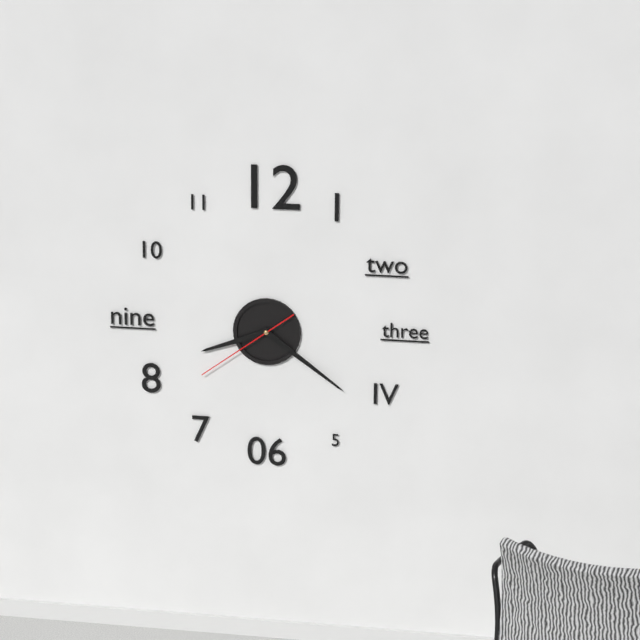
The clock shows 8:21:39
